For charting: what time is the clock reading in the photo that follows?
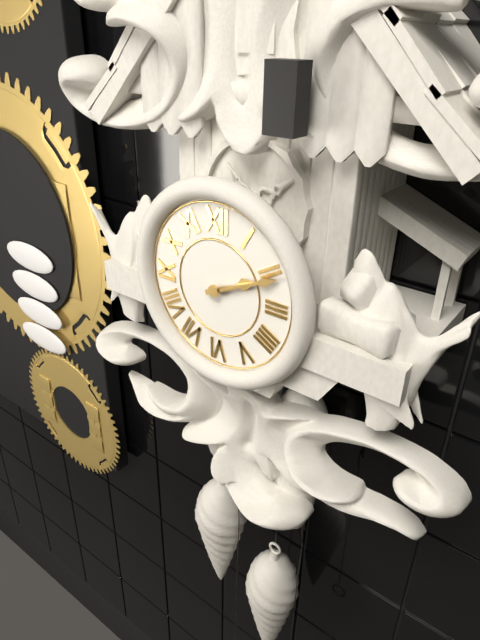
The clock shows 2:11
